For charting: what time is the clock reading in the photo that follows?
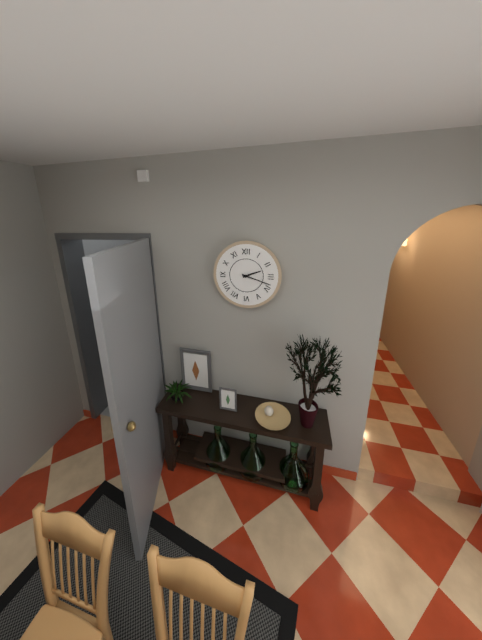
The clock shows 2:18
